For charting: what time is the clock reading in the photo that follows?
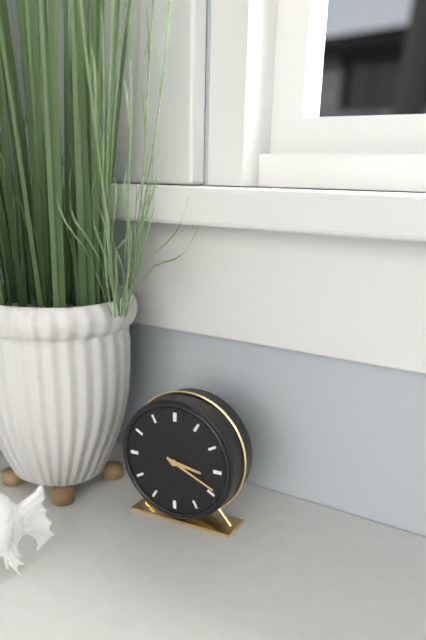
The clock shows 3:19
